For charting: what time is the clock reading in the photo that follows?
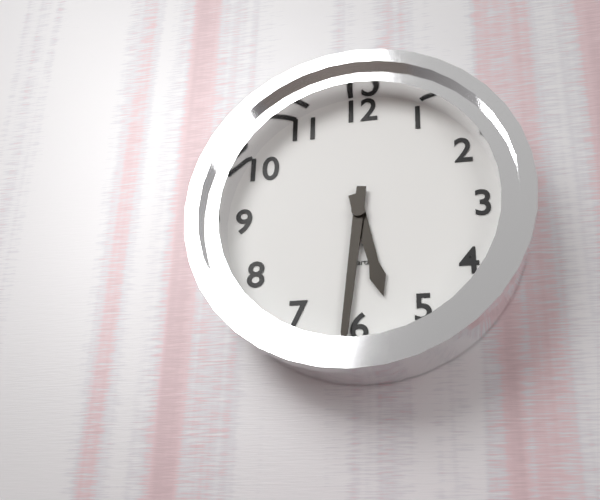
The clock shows 5:31
